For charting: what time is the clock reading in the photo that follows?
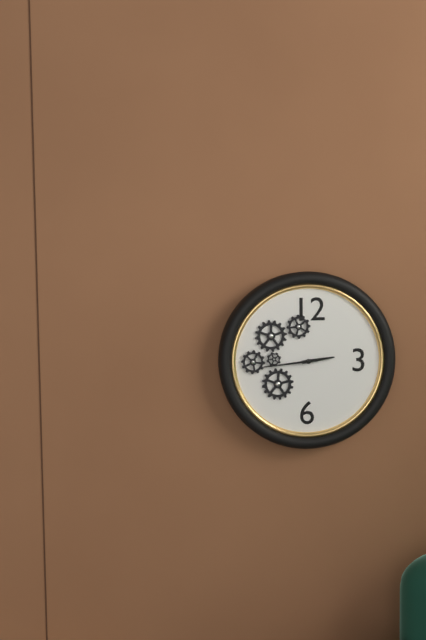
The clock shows 2:44
